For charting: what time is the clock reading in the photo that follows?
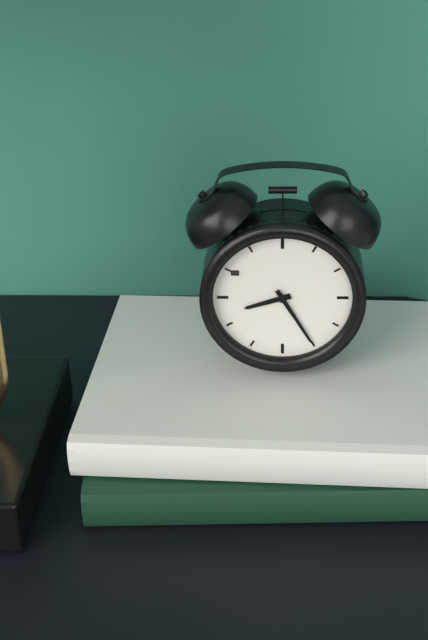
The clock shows 8:25
